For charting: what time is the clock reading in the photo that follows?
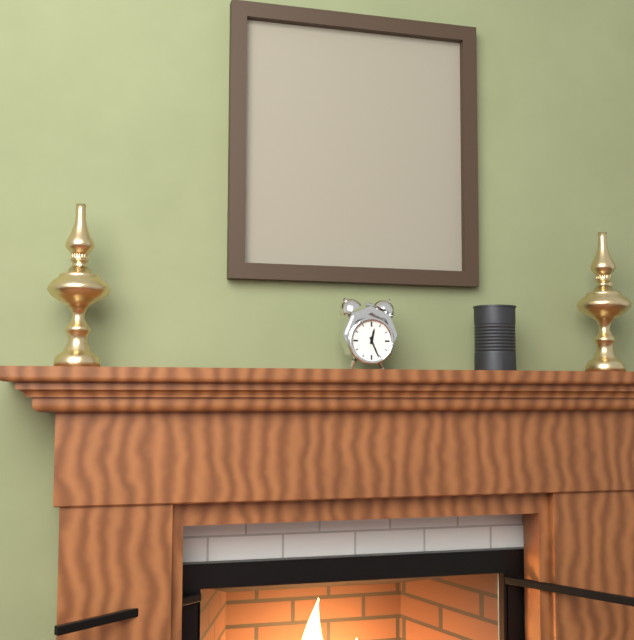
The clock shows 12:26
